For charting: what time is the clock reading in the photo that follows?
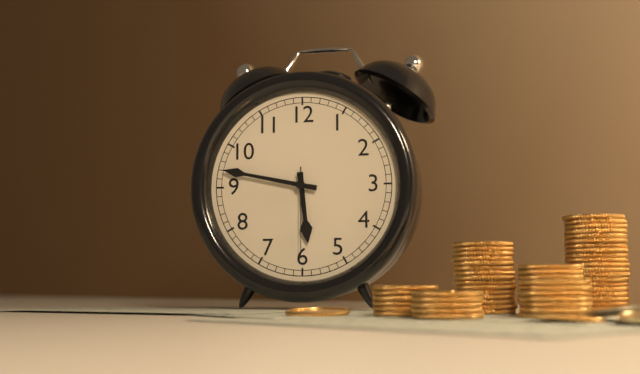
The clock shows 5:47:30
